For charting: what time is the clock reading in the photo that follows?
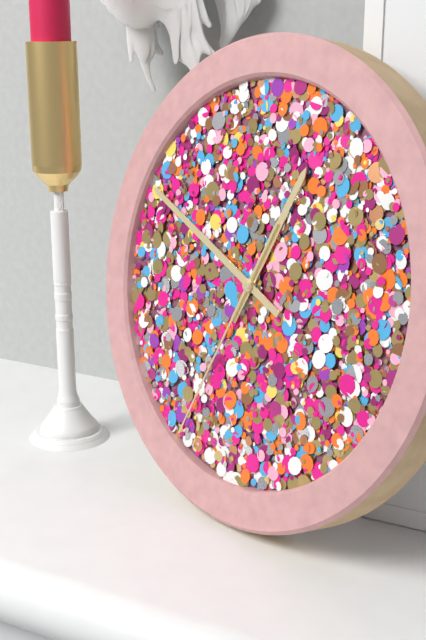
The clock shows 12:49:34
